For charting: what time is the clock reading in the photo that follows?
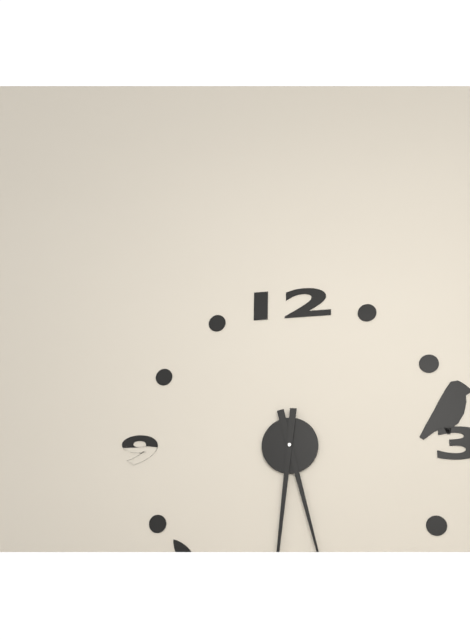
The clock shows 5:31
